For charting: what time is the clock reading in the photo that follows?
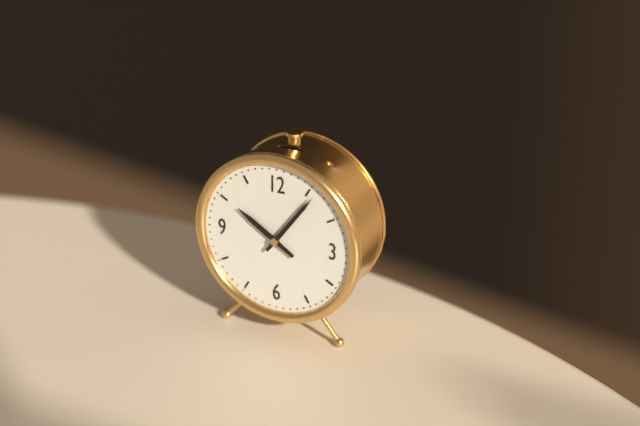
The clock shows 10:06
